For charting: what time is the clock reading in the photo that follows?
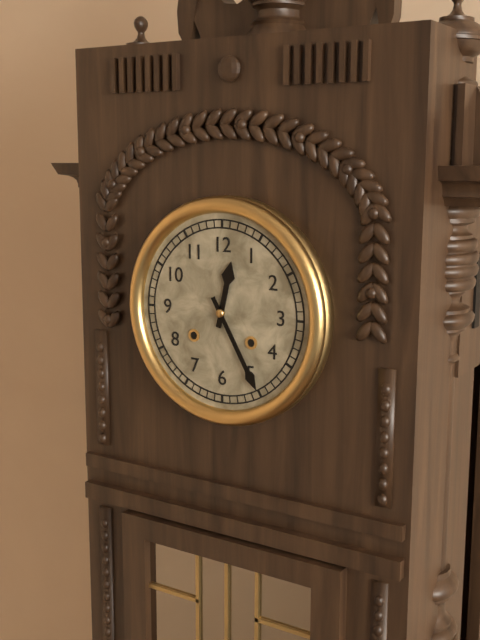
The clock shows 12:25
